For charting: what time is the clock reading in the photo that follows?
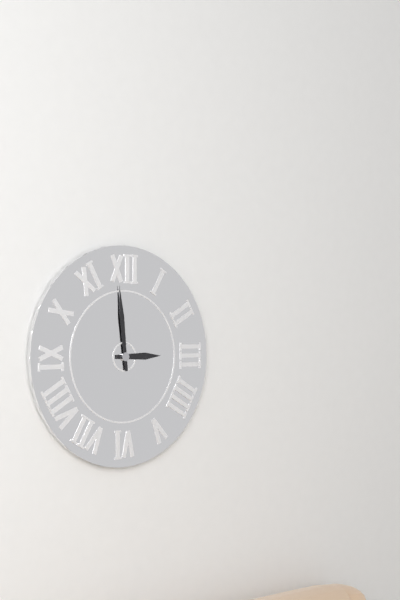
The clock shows 2:59
